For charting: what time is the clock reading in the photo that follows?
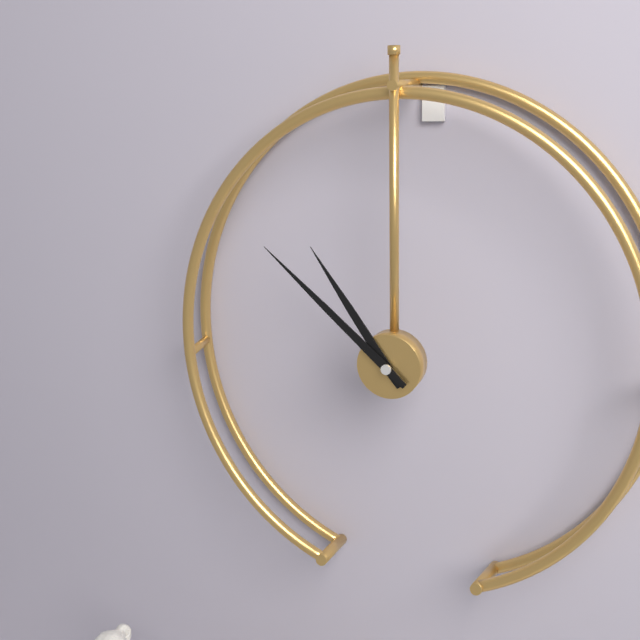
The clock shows 10:52
